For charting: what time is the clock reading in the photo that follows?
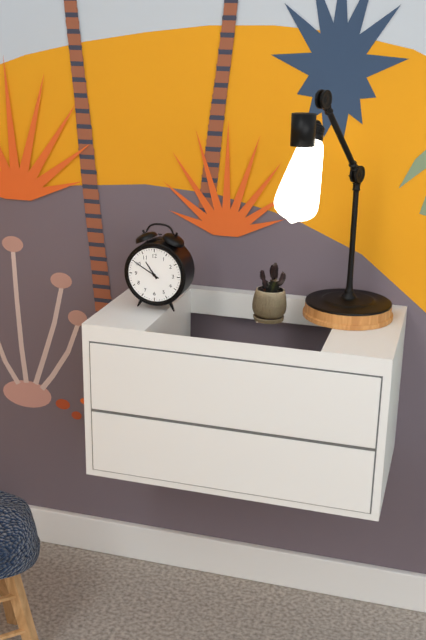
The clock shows 10:50
